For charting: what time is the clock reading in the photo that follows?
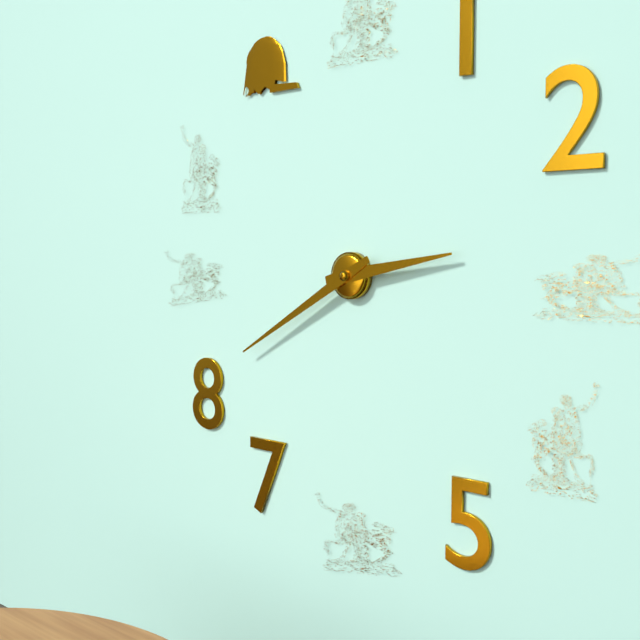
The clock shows 2:40
